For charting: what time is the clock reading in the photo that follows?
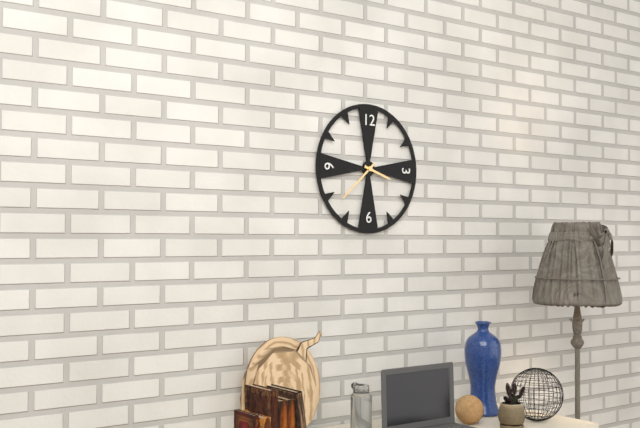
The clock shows 3:38
